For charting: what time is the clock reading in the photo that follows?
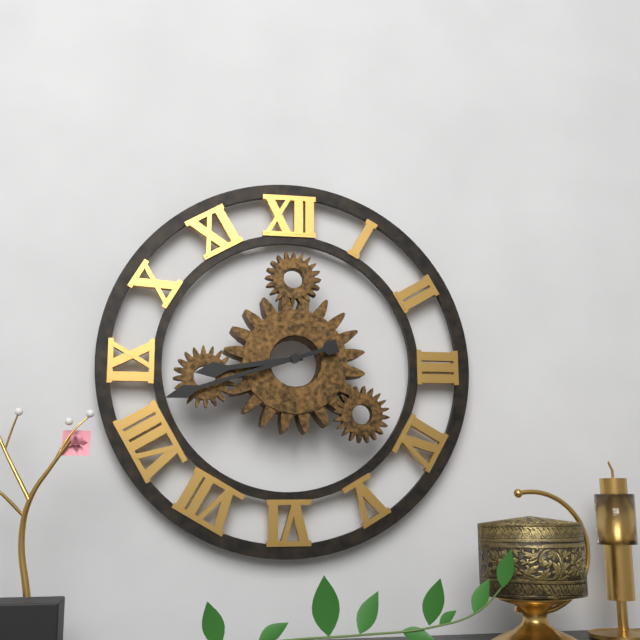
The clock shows 8:42
